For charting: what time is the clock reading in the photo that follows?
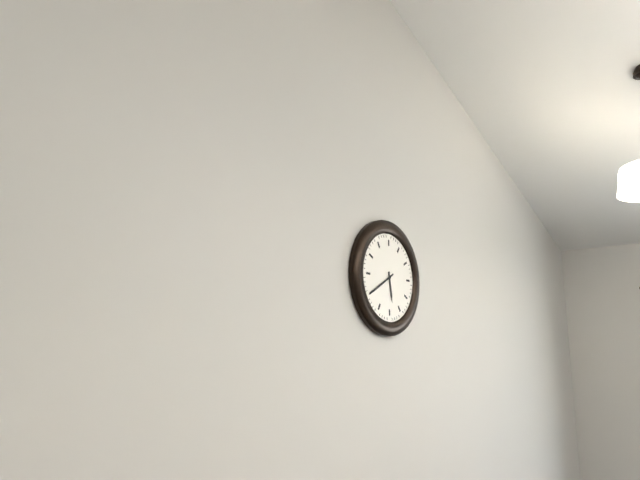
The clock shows 5:40
